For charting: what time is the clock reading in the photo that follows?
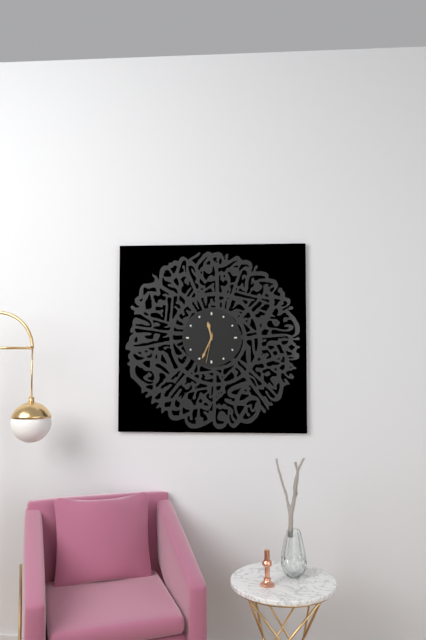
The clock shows 11:34
